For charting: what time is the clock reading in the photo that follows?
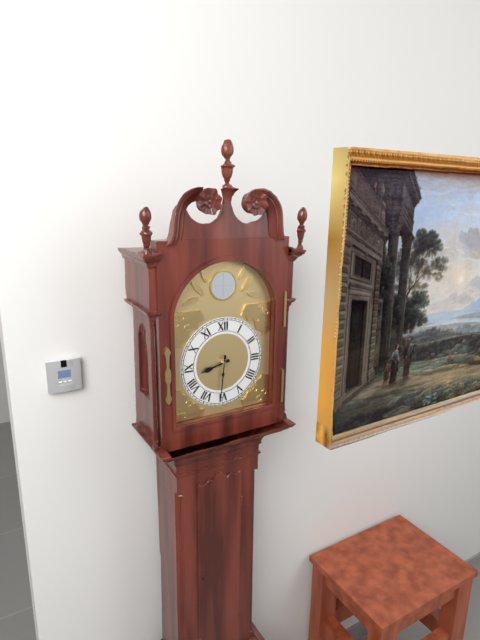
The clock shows 8:31
